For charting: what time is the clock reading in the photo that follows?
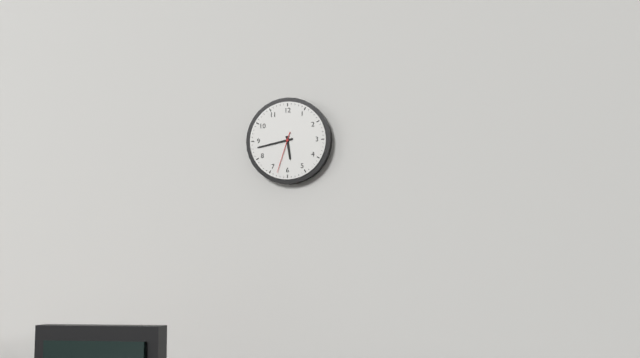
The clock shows 5:43
